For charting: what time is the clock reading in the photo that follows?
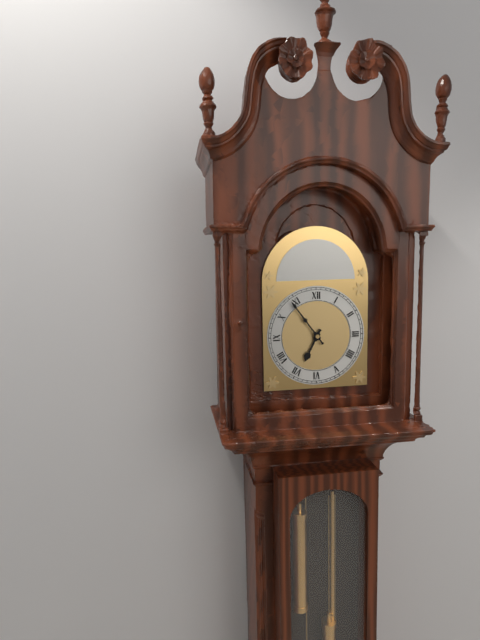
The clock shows 6:54
